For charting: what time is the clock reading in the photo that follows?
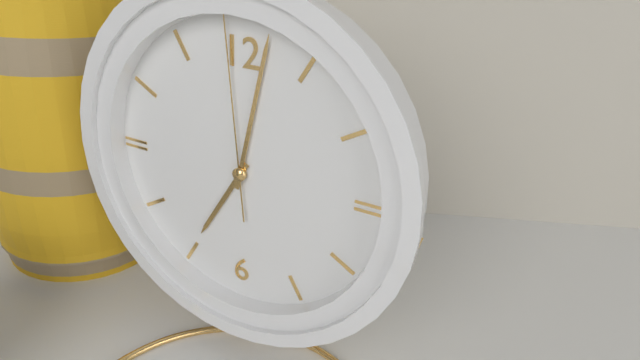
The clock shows 7:02:59
